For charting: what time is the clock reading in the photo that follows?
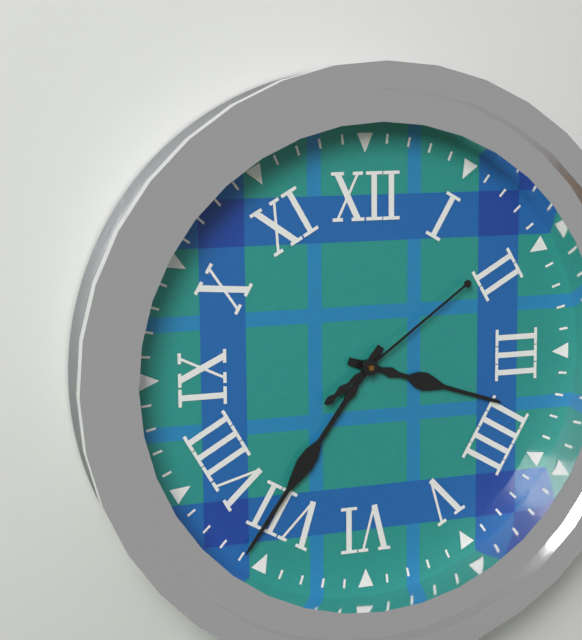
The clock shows 3:36:09
